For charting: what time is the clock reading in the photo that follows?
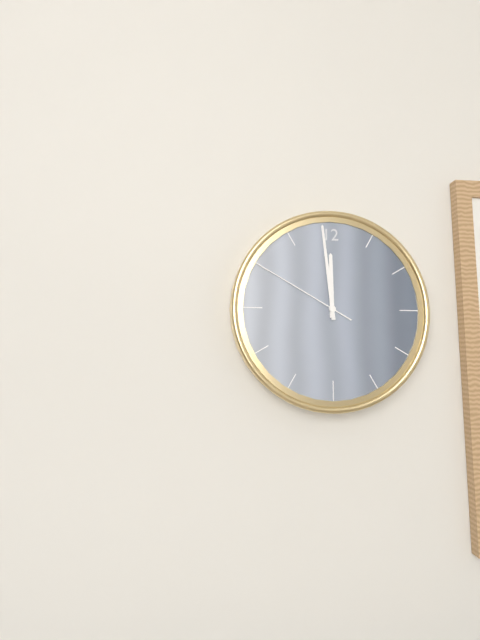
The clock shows 11:59:50
